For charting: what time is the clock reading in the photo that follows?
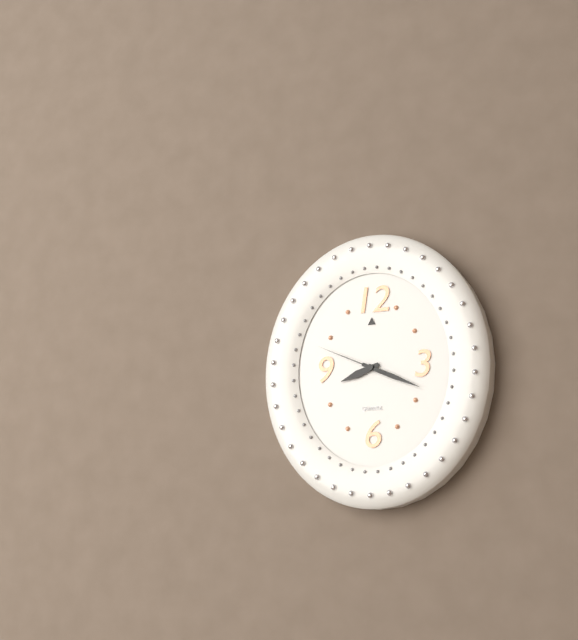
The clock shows 8:19:49
